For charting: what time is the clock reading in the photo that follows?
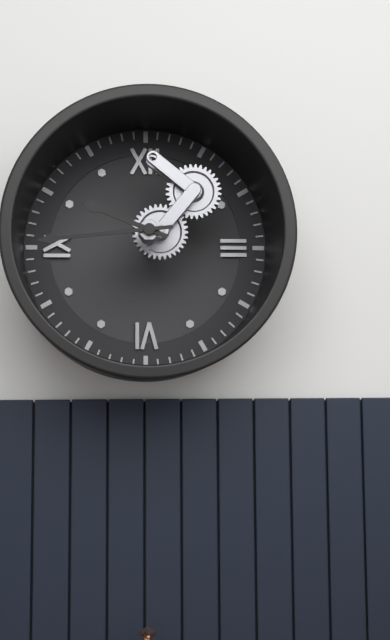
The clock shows 9:44
